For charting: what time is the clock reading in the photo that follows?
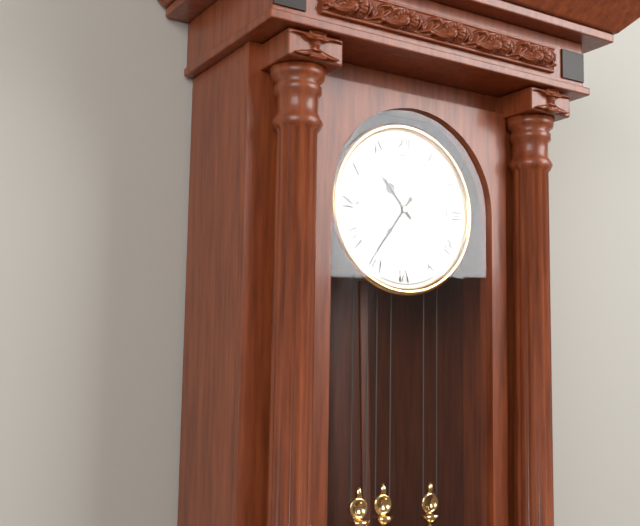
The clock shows 10:36
